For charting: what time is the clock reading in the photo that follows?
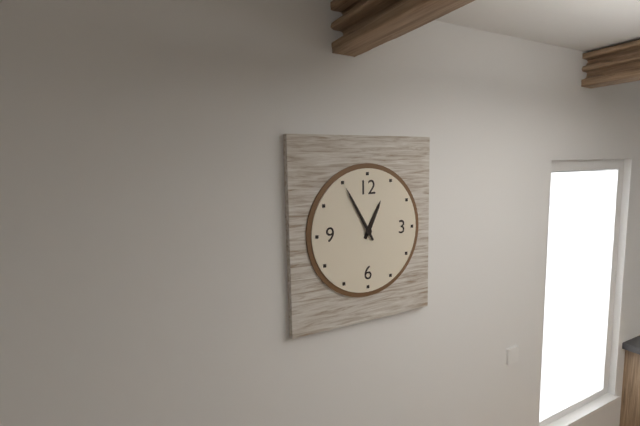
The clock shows 12:55
